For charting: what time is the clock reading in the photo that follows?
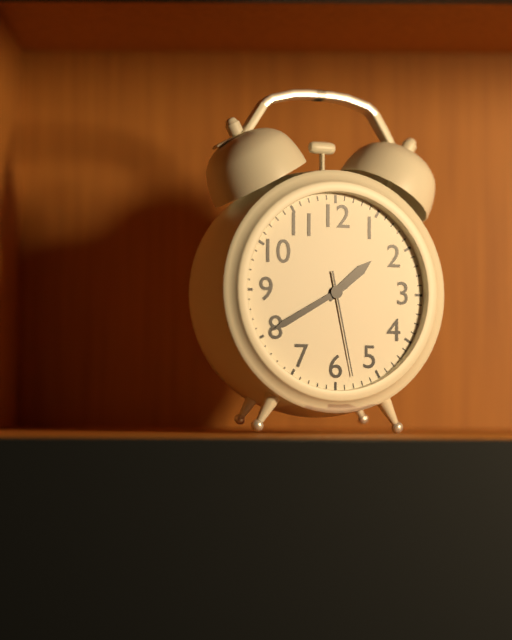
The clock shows 1:40:28
